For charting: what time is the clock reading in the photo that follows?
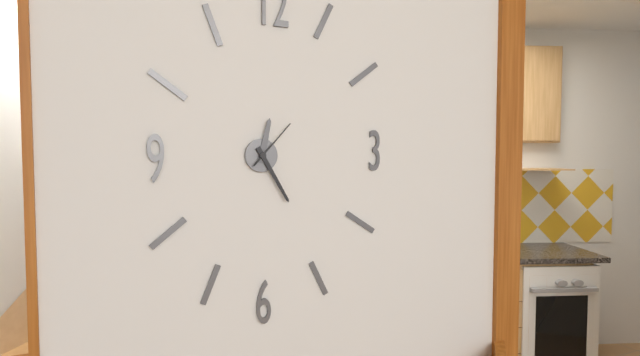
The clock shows 12:25:07
